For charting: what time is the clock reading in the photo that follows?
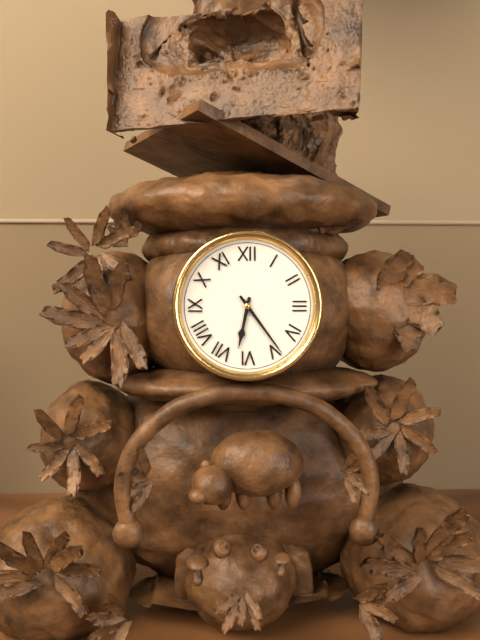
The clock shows 6:24
